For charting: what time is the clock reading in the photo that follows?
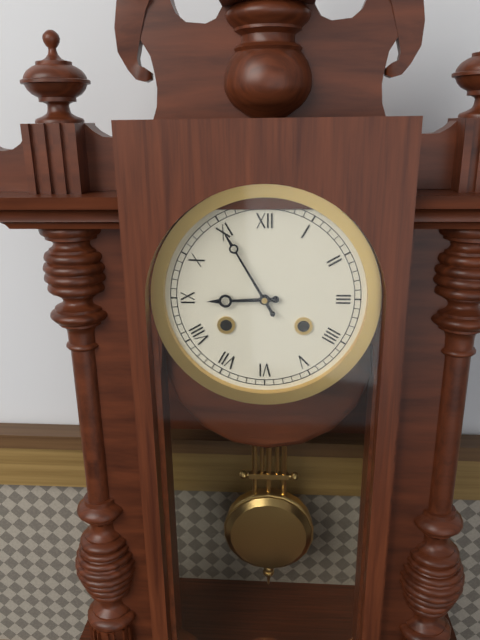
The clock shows 8:55
